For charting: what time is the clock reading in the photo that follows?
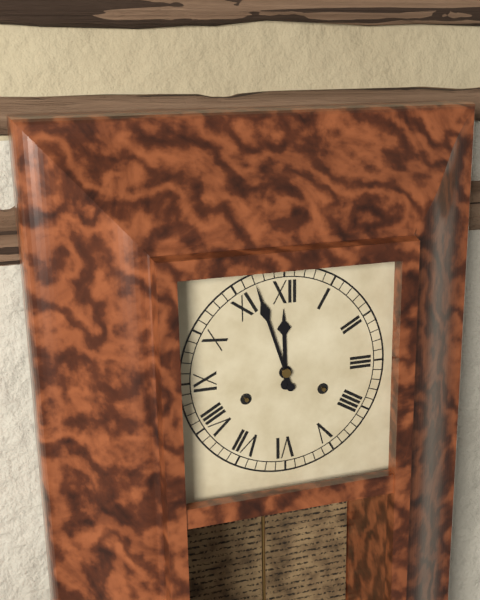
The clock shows 11:57
